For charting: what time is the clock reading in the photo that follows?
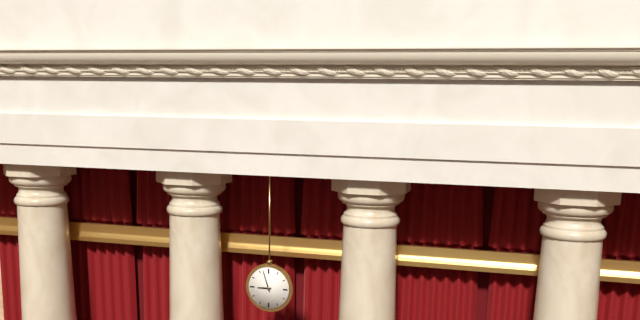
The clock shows 8:57
